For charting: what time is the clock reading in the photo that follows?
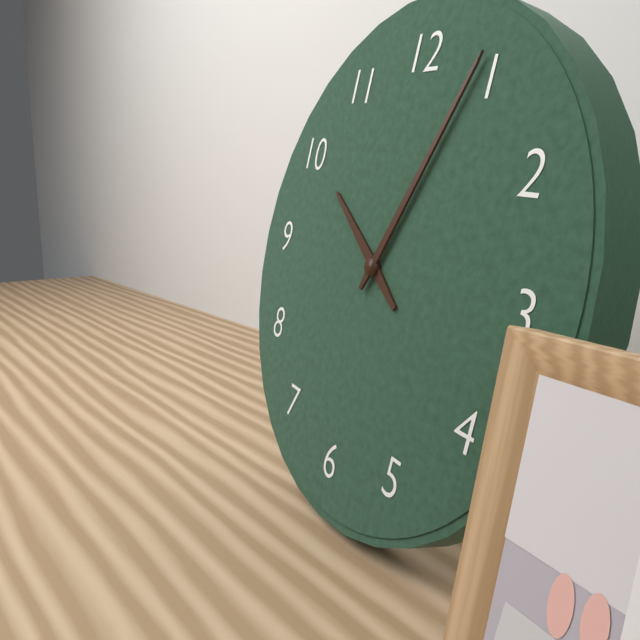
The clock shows 10:04
